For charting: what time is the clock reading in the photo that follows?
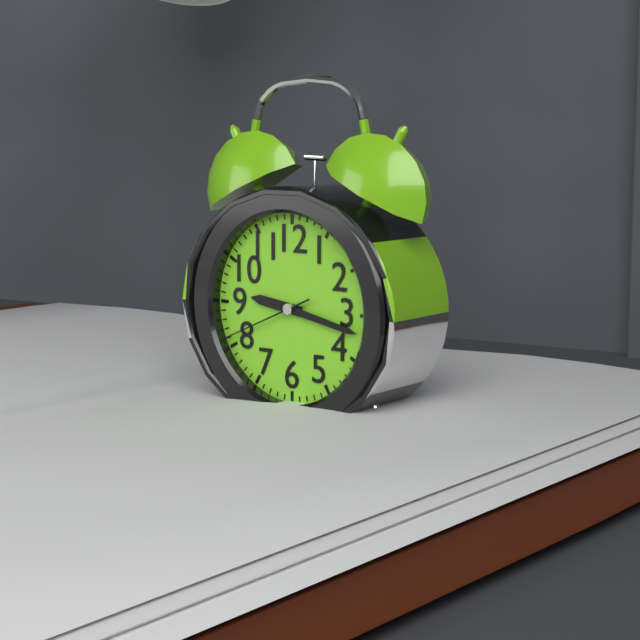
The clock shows 9:17:41
